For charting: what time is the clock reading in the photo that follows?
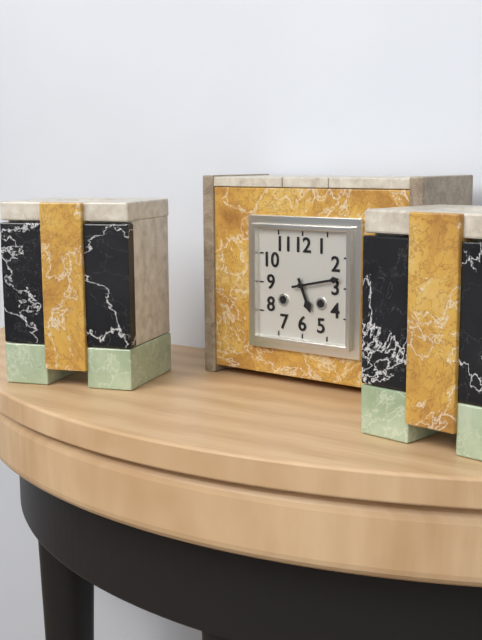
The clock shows 5:13
